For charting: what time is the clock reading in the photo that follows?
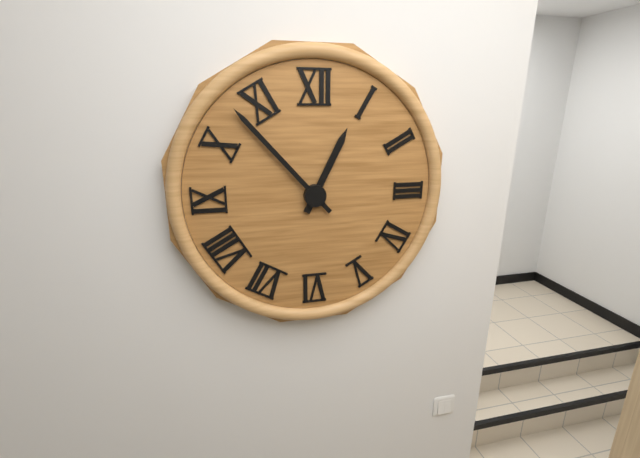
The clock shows 12:53
